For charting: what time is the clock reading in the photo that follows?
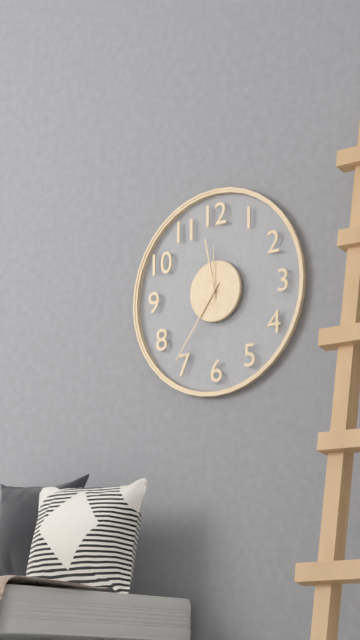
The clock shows 11:36:00
